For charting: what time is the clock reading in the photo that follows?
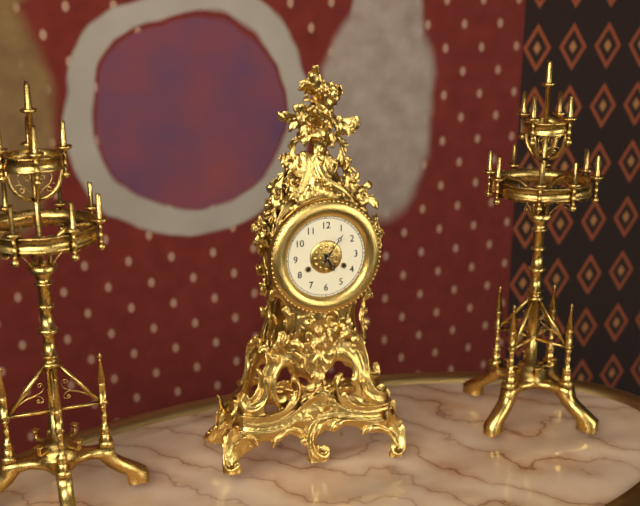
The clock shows 5:06
